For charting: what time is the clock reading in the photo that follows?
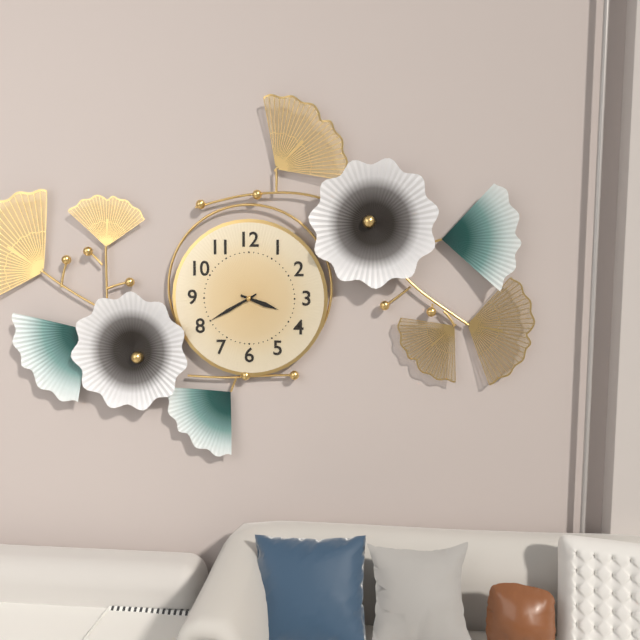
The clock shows 3:40
